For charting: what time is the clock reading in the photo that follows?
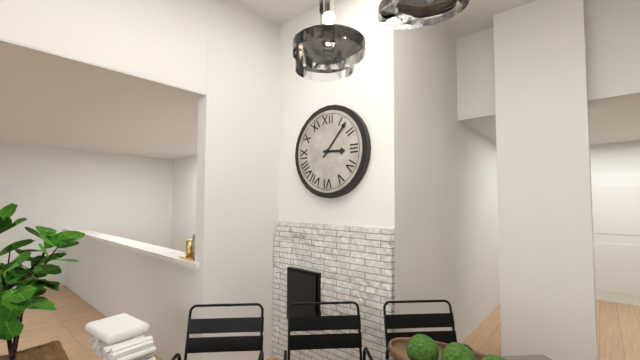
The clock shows 3:07
